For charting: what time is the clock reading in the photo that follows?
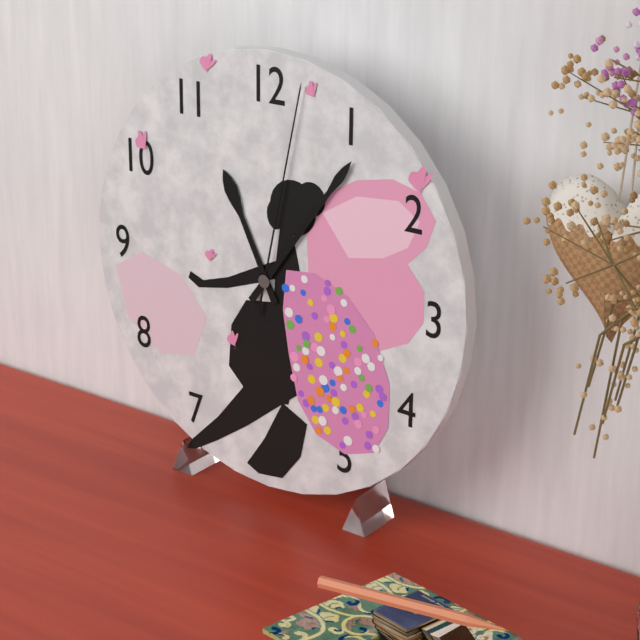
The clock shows 11:06:02
